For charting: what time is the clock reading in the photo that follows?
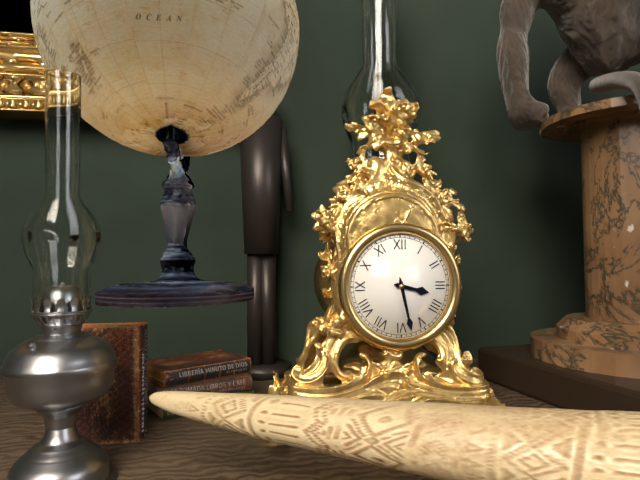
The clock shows 3:28
